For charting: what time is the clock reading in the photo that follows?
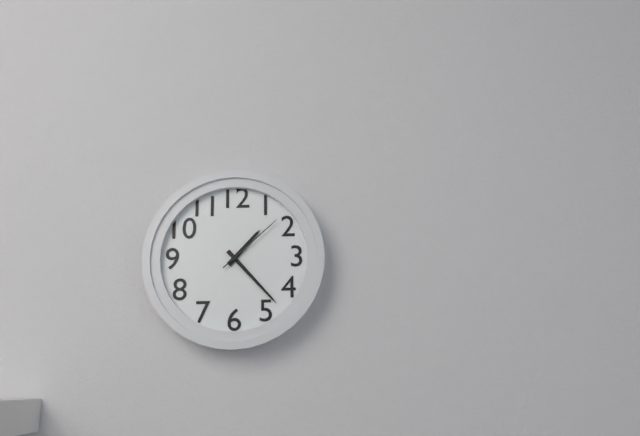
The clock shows 1:23:08
